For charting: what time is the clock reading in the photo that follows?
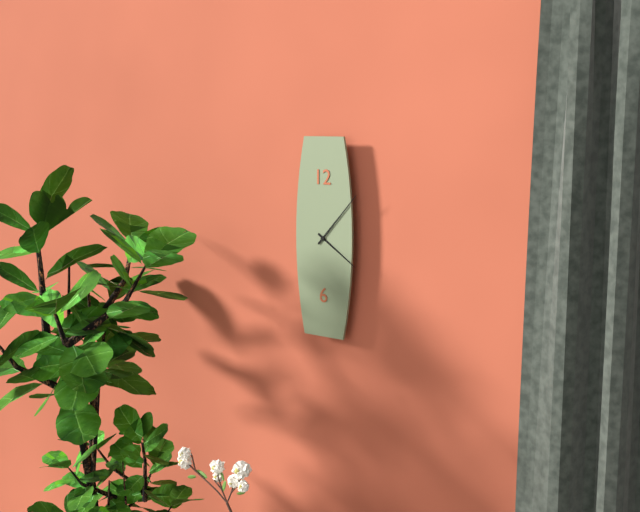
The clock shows 4:07
